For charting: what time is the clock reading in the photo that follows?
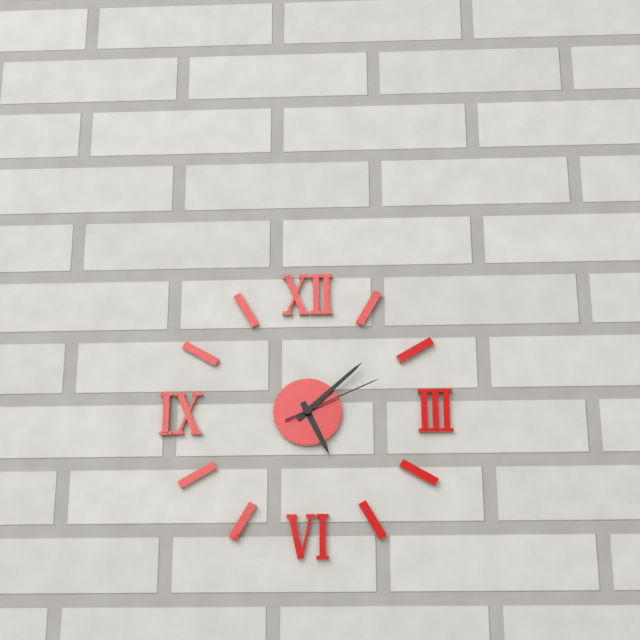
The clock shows 5:08:11
